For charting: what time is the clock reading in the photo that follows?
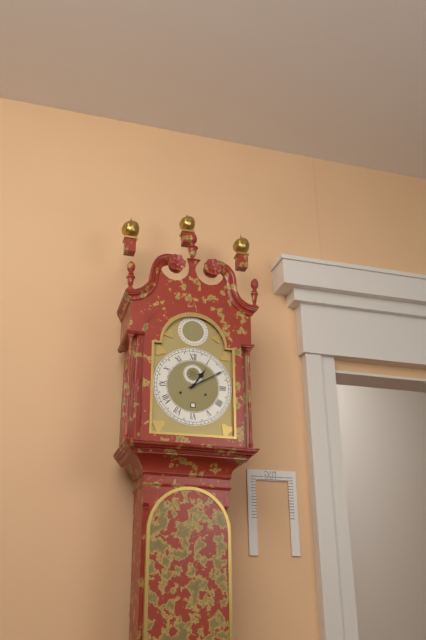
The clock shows 1:10
